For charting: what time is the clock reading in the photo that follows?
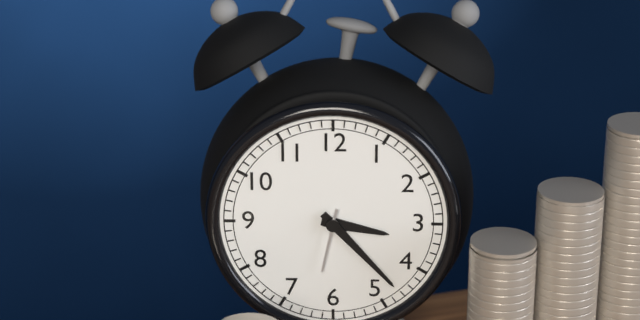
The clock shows 3:23:32
